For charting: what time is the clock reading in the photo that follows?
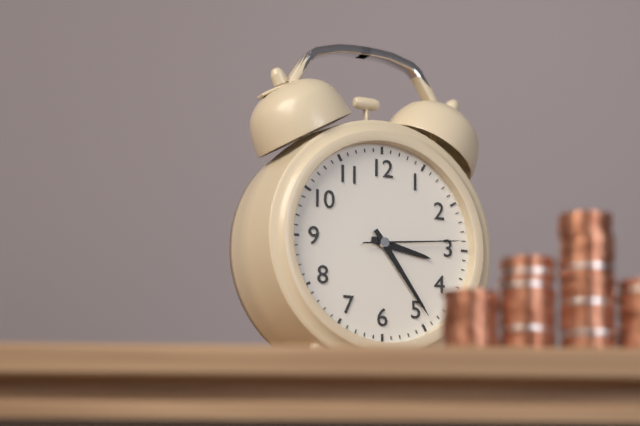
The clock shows 3:24:14
